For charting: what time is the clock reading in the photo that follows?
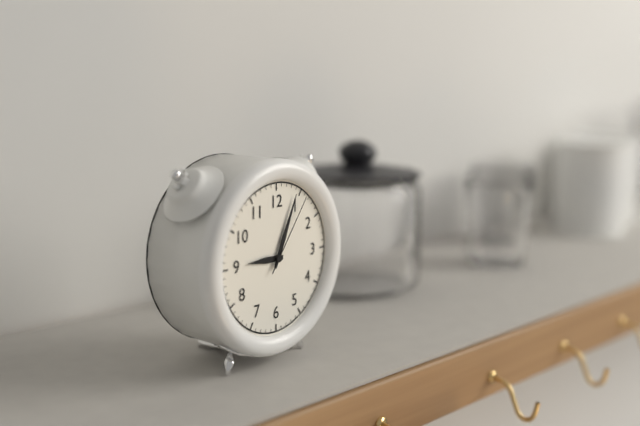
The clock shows 9:04:06
